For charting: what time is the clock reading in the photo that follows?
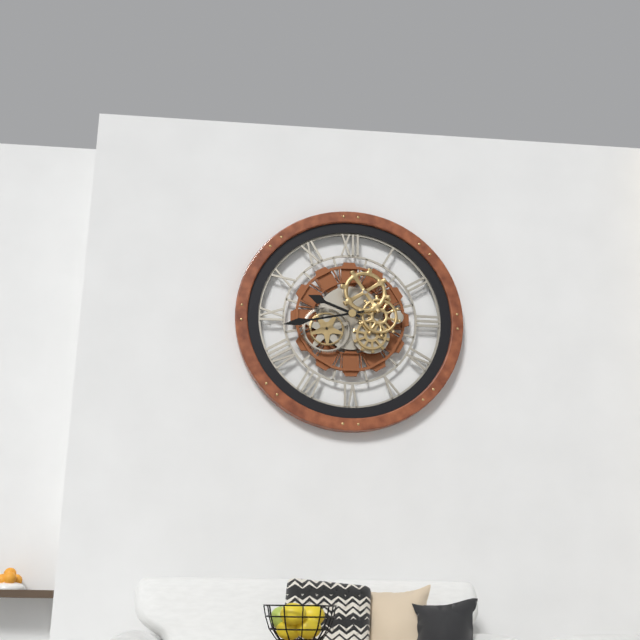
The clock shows 9:43
